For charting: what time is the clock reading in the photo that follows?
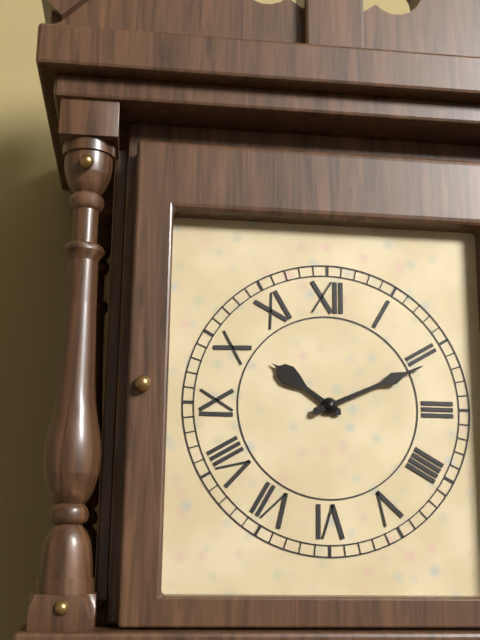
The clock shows 10:11
